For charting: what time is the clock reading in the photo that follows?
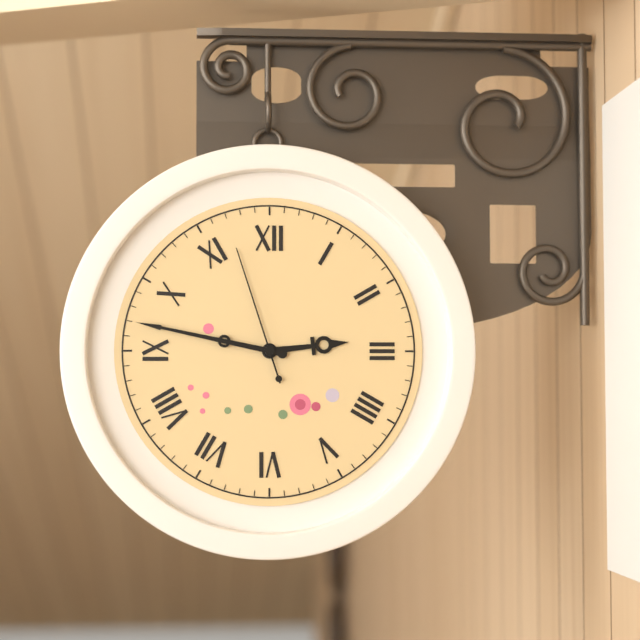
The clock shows 2:47:57
